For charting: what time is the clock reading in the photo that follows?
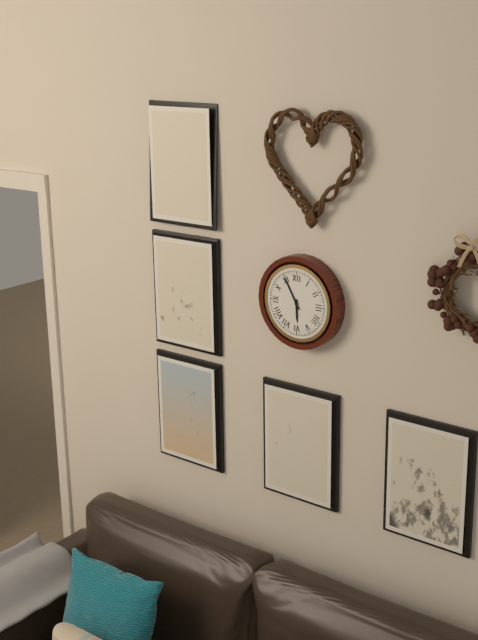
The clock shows 5:55
